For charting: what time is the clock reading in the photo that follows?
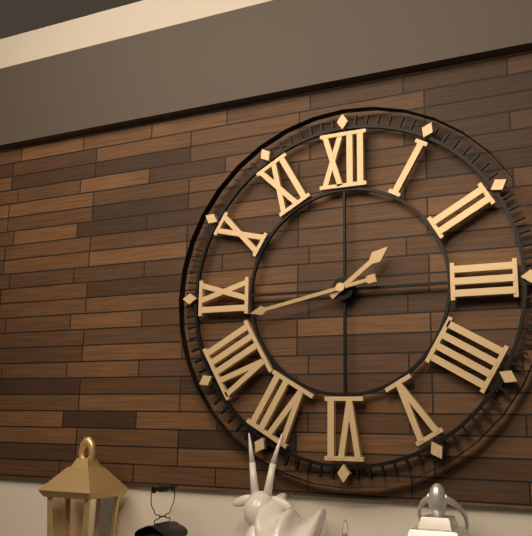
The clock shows 1:43
